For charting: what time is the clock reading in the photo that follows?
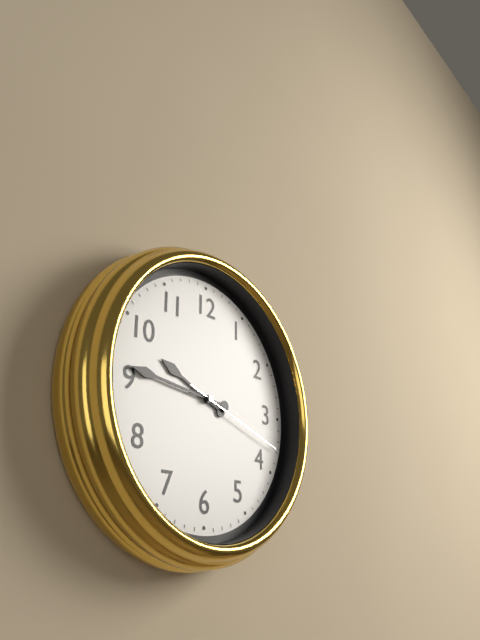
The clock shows 9:46:18
